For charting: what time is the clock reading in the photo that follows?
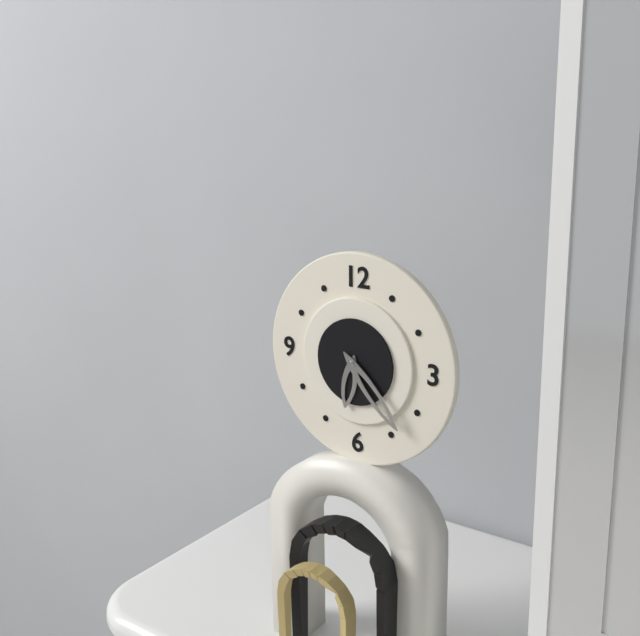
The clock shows 6:23
